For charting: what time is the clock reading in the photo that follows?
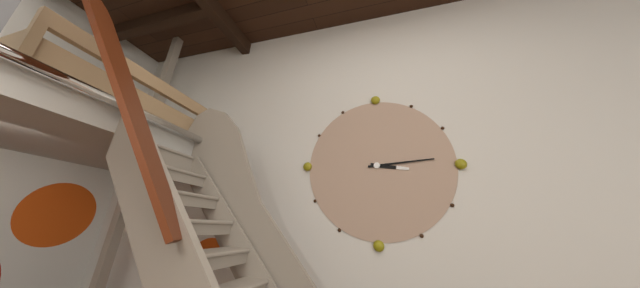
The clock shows 3:14
